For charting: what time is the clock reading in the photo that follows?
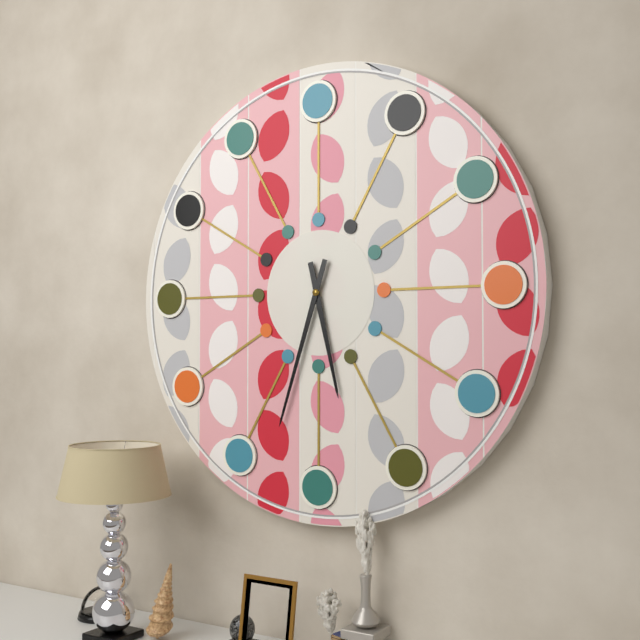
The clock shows 5:33
